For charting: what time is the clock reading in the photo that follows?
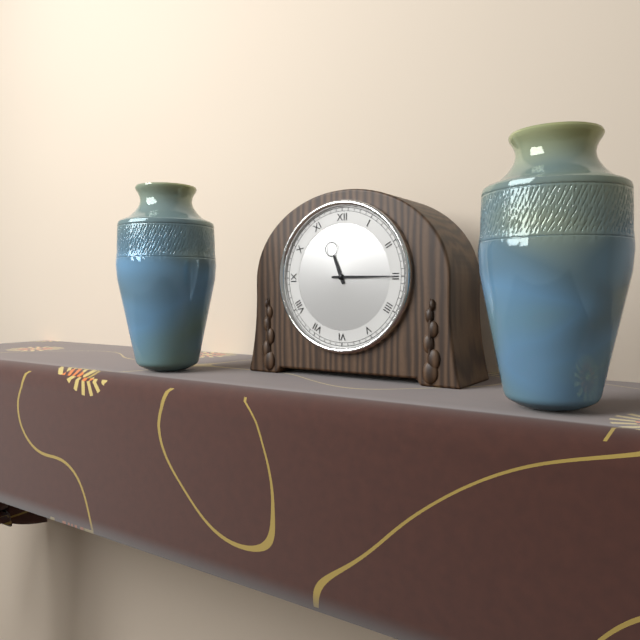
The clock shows 11:15
